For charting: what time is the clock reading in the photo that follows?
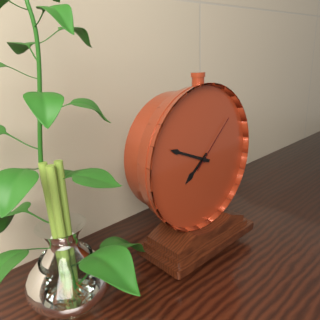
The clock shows 7:49:08
